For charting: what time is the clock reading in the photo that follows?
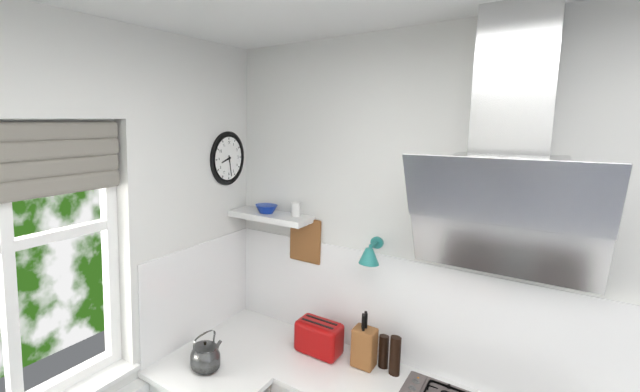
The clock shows 8:28
